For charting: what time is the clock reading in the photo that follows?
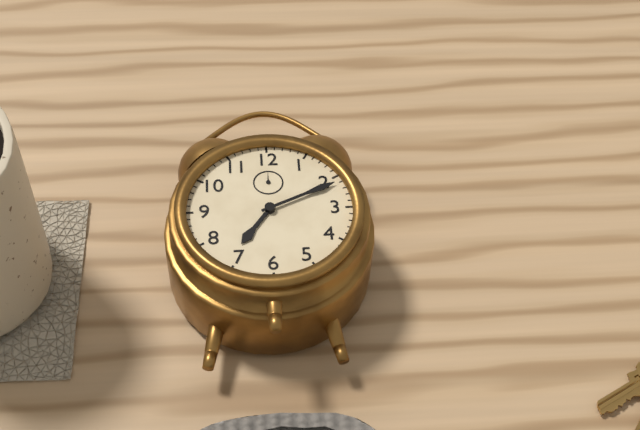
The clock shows 7:11
